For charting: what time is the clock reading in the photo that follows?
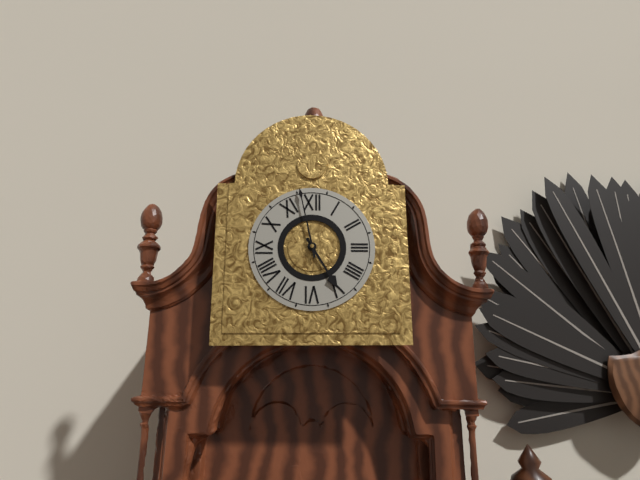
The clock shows 4:58
